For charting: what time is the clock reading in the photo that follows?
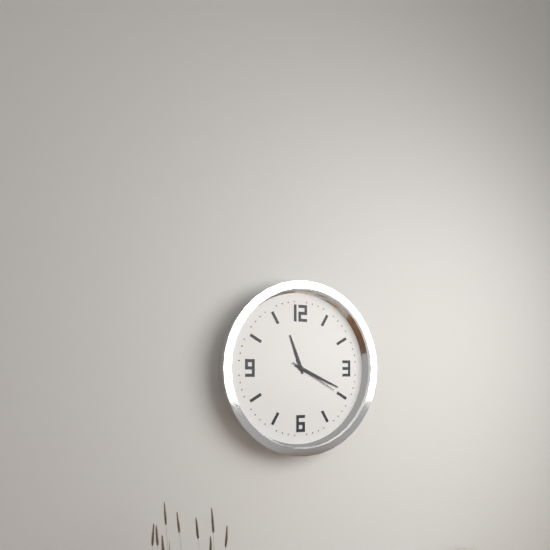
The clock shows 11:19:20
